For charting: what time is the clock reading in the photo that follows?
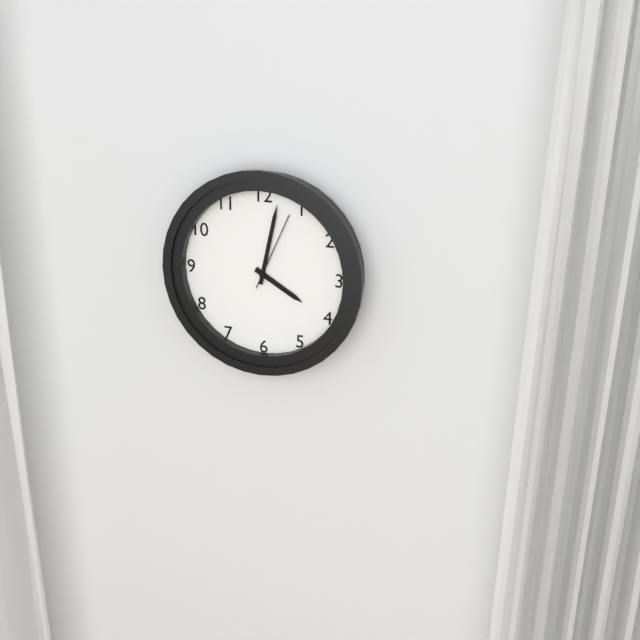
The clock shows 4:02:04
